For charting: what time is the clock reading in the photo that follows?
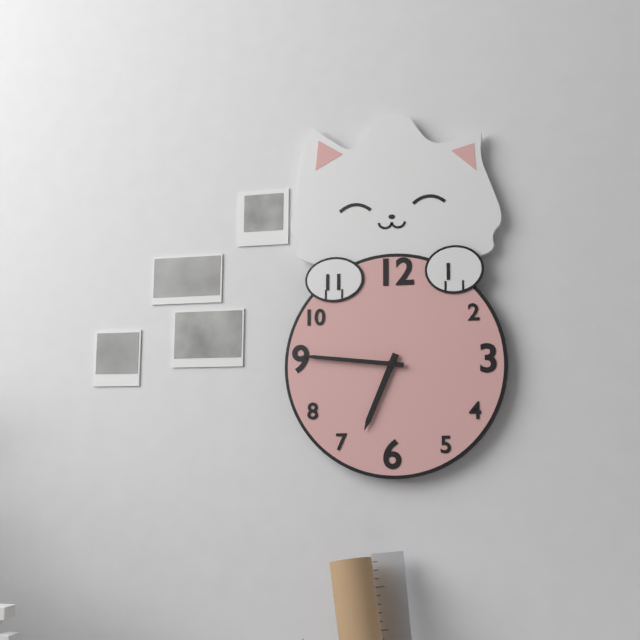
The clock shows 6:46
